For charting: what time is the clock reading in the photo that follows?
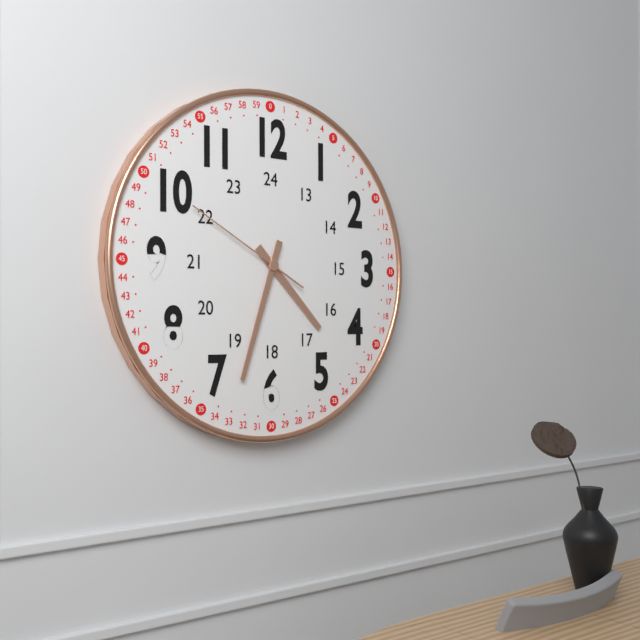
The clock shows 4:33:50
